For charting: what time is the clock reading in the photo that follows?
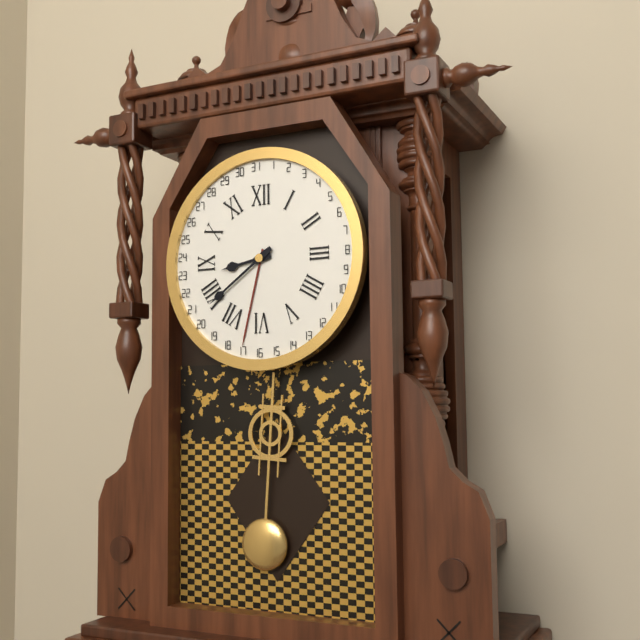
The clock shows 8:39
